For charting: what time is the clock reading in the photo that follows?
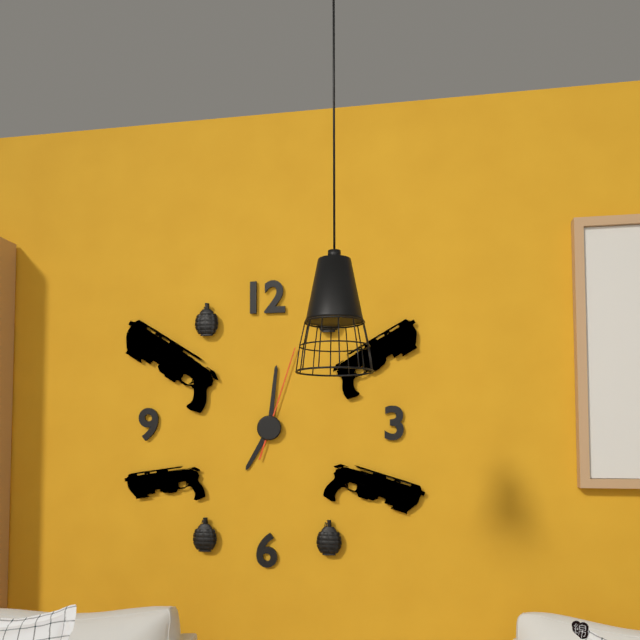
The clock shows 7:01:03
